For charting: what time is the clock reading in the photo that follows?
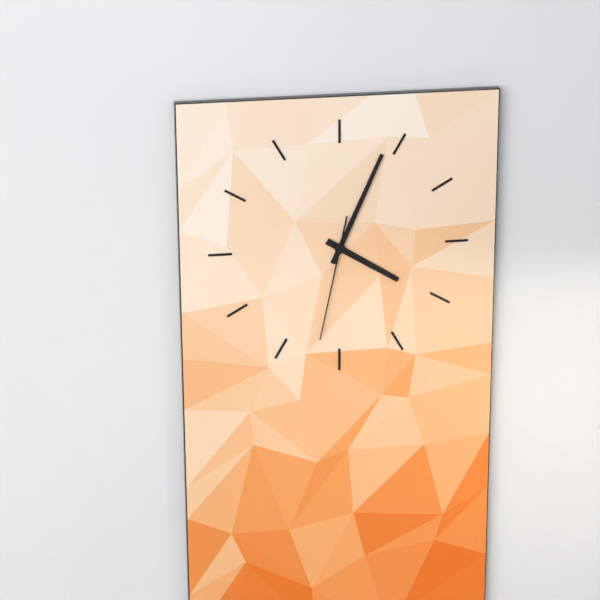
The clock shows 4:04:32
